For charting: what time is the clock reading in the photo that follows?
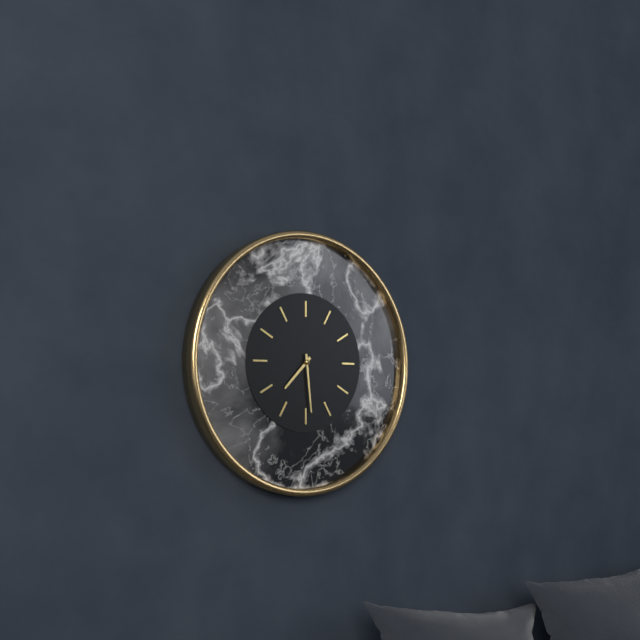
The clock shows 7:29
